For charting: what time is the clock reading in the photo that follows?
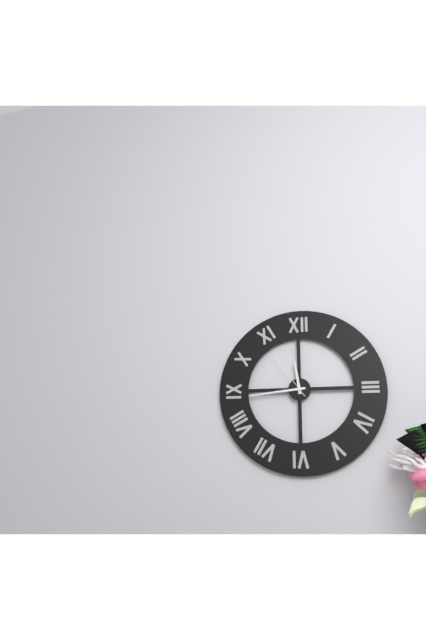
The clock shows 11:44
